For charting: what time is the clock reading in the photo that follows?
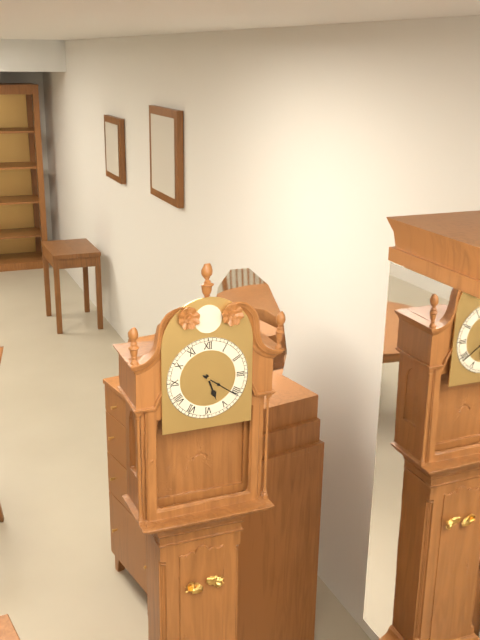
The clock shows 5:21
